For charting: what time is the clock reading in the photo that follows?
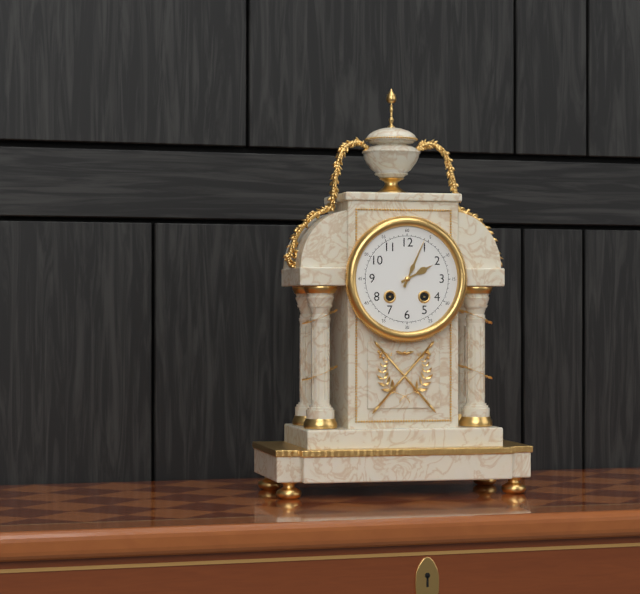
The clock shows 2:04
